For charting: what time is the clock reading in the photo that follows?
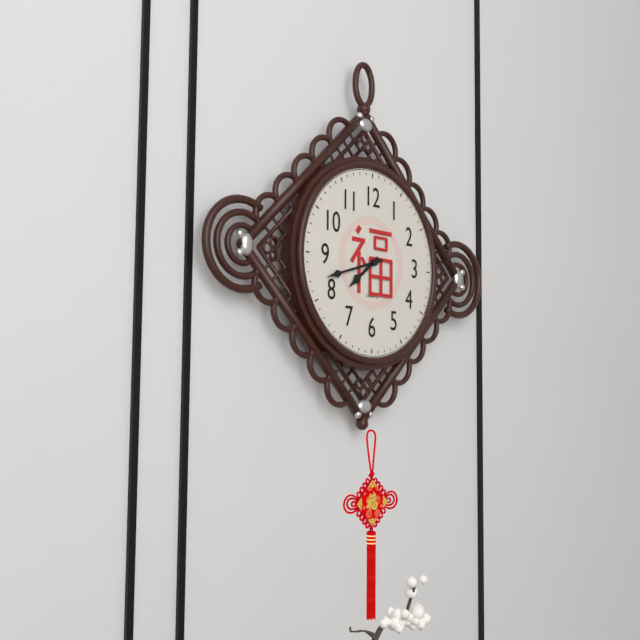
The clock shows 7:42
